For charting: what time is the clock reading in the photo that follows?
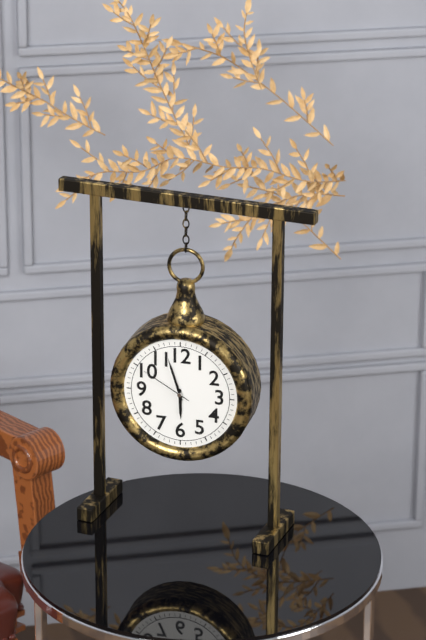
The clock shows 5:57:50
